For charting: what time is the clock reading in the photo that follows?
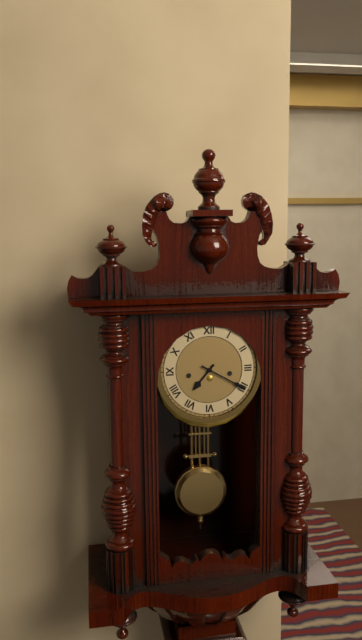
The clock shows 7:20
